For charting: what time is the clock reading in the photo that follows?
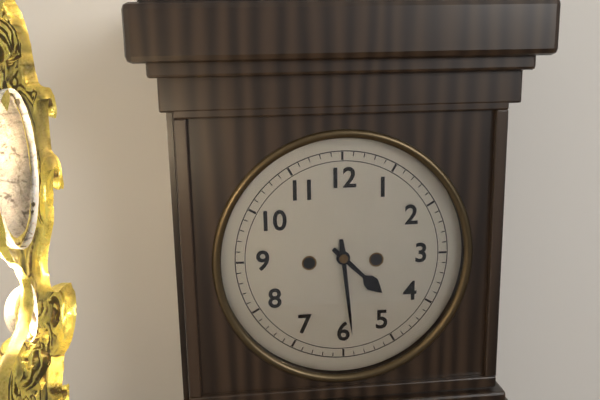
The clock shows 4:29
